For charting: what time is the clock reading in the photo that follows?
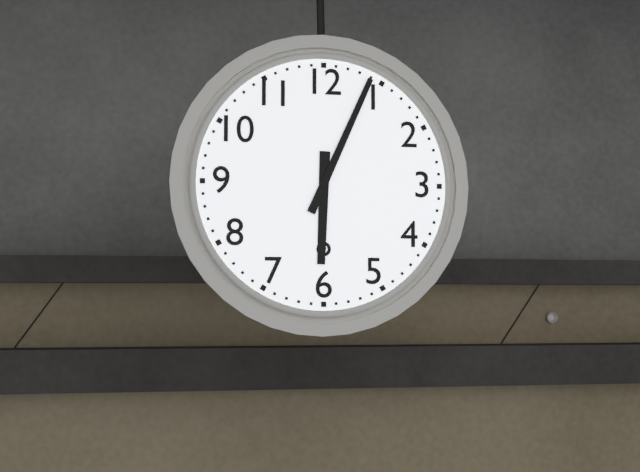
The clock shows 6:04
